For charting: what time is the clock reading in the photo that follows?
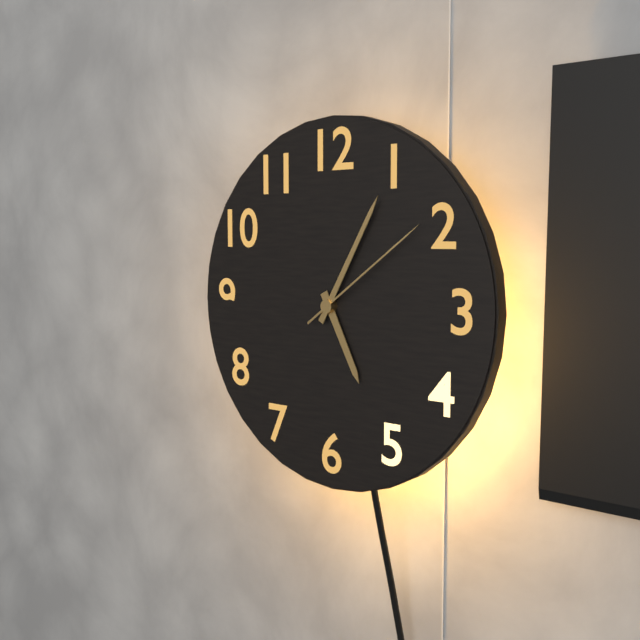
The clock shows 5:05:09
